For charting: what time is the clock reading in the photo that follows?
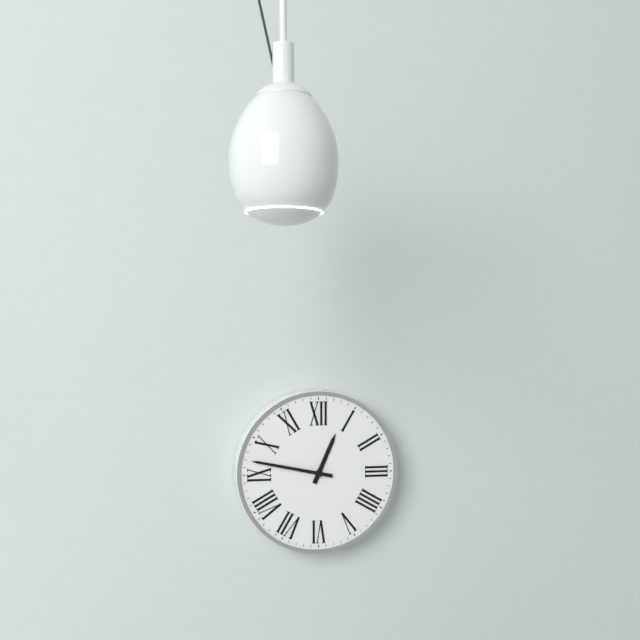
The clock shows 12:47
